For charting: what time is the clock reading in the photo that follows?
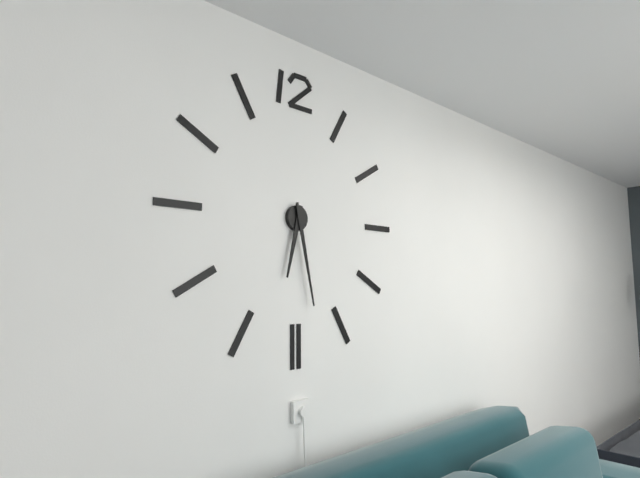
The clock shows 6:28
